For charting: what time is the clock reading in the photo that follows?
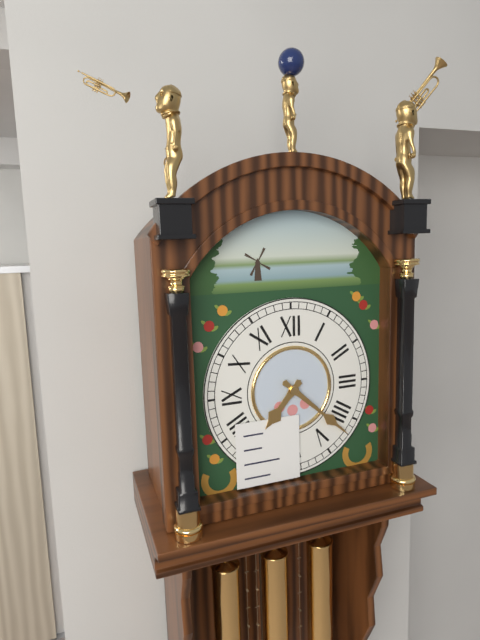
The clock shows 7:22
